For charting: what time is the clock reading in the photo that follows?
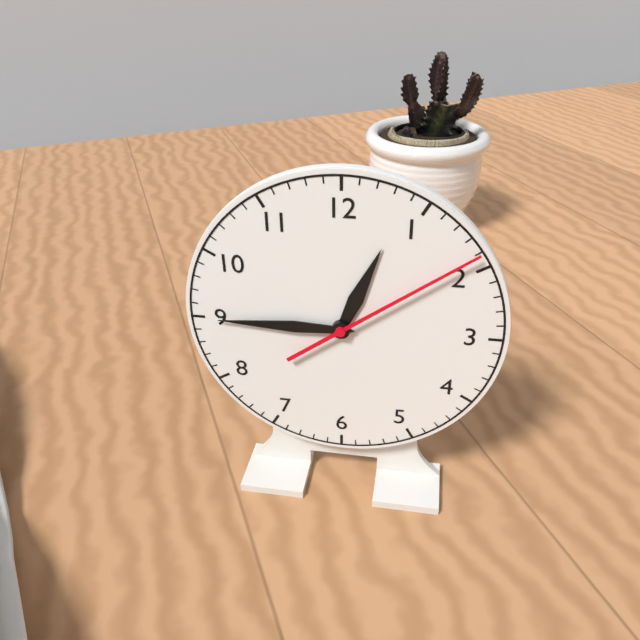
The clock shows 12:45:09
